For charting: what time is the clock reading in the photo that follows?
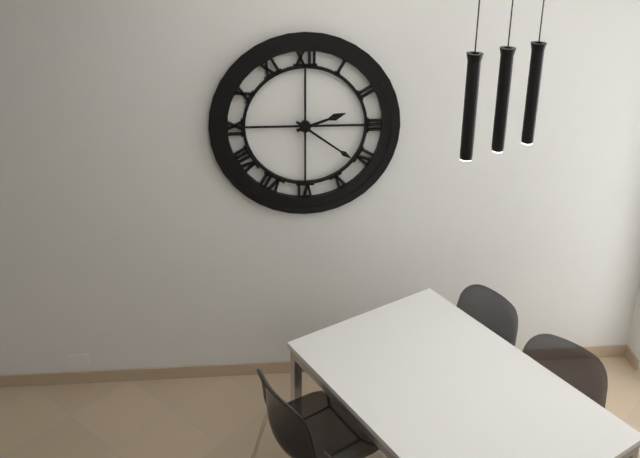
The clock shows 2:21
